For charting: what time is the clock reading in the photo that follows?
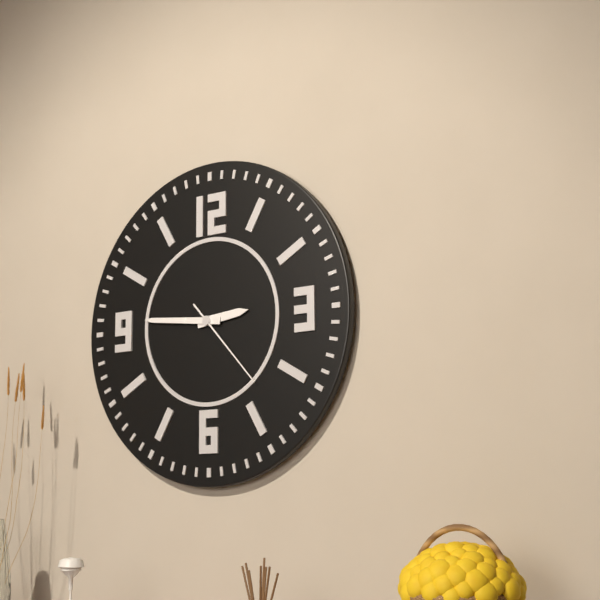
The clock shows 2:46:23
